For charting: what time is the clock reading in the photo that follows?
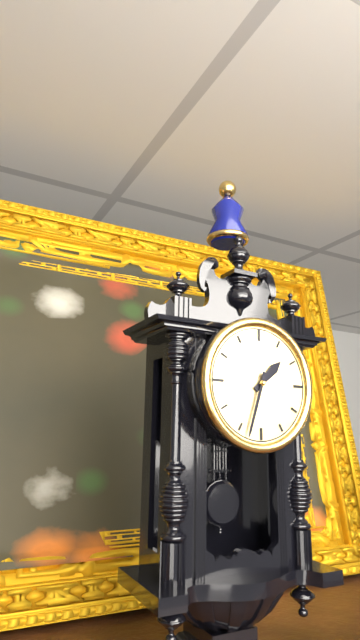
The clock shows 1:33
